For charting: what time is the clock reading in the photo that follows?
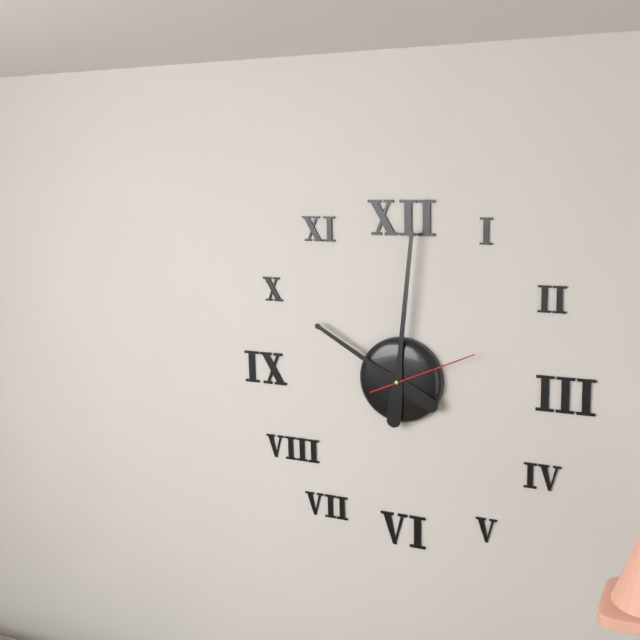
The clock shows 10:01:11
